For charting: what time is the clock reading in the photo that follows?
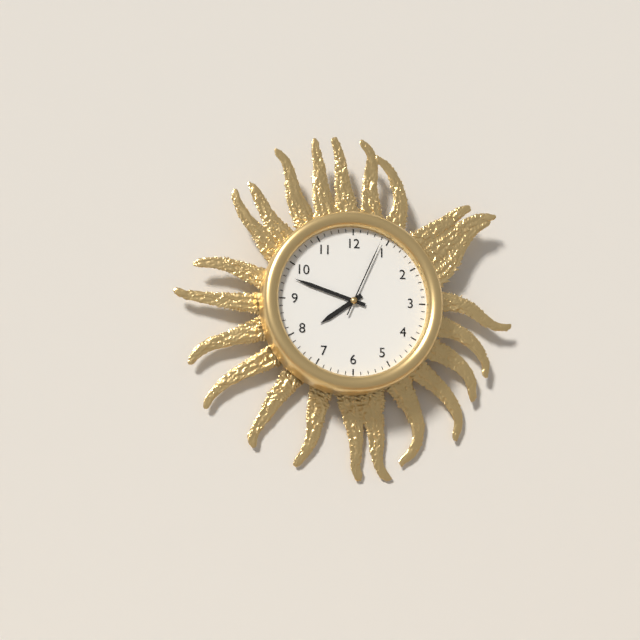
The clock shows 7:48:04
